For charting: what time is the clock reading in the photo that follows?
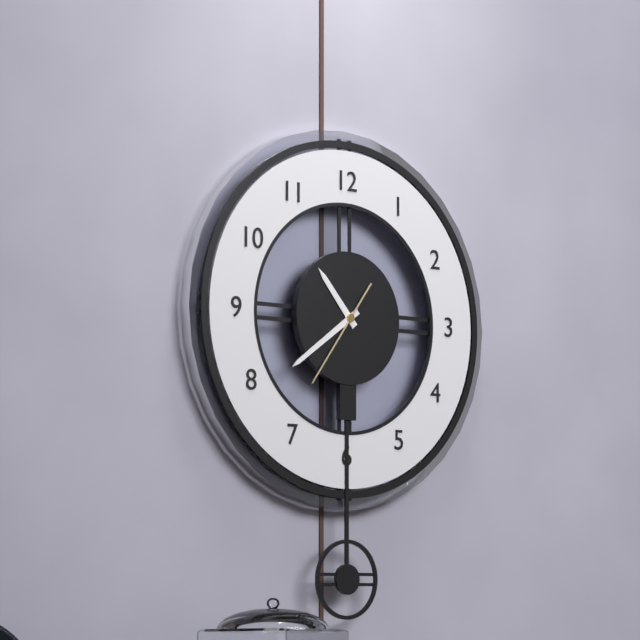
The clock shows 10:39:36
